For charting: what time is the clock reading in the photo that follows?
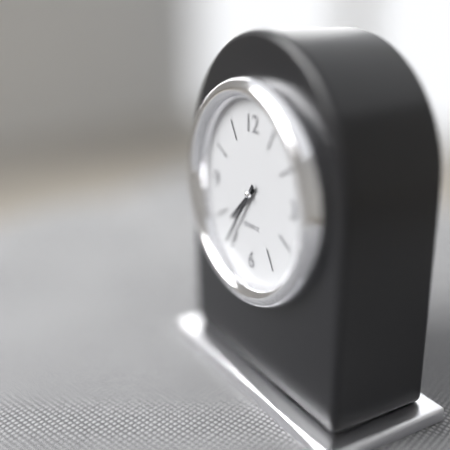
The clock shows 7:36
